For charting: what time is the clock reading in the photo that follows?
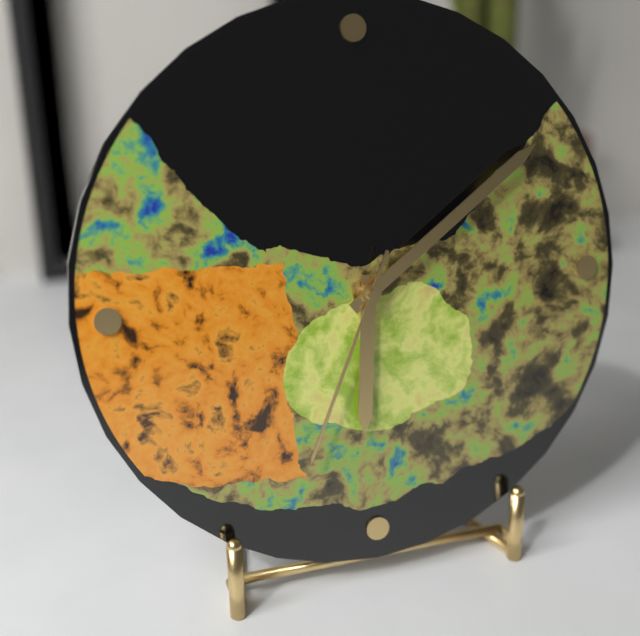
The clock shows 6:09:34
